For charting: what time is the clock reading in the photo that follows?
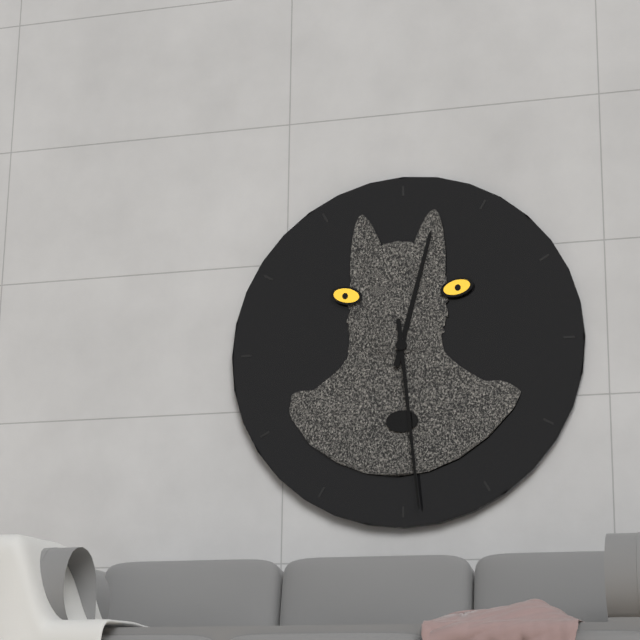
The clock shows 12:29
